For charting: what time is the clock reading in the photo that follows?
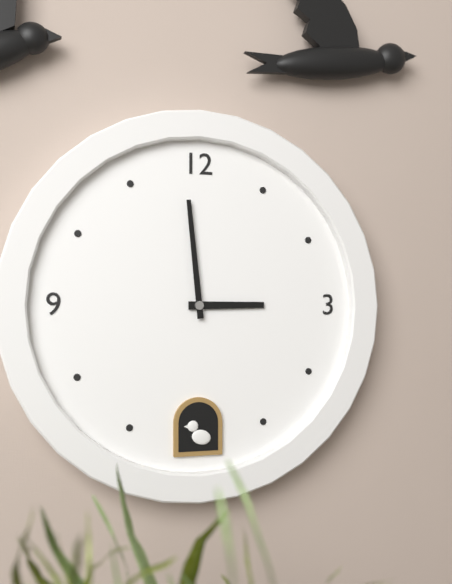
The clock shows 2:59
